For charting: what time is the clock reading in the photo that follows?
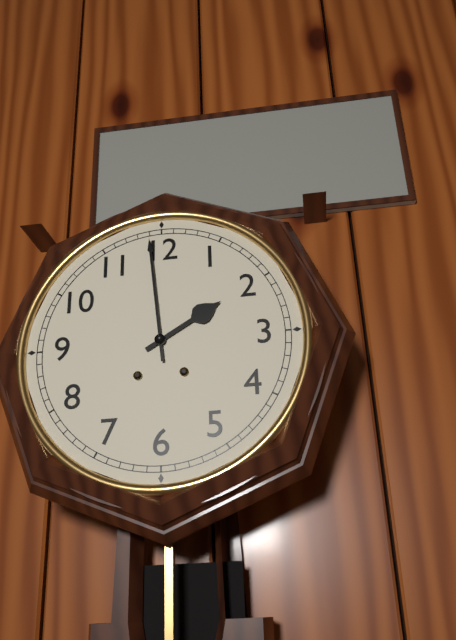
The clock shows 1:59
